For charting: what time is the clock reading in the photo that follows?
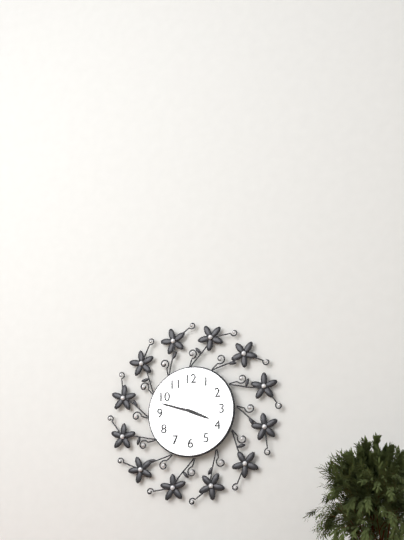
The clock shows 3:48
